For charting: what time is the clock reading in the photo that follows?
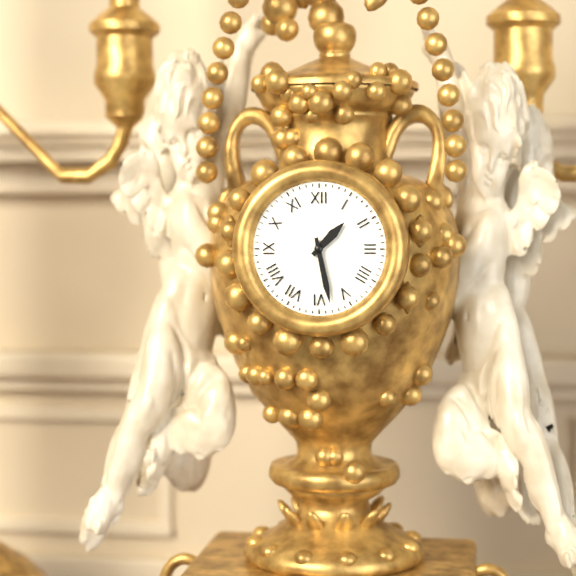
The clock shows 1:28
